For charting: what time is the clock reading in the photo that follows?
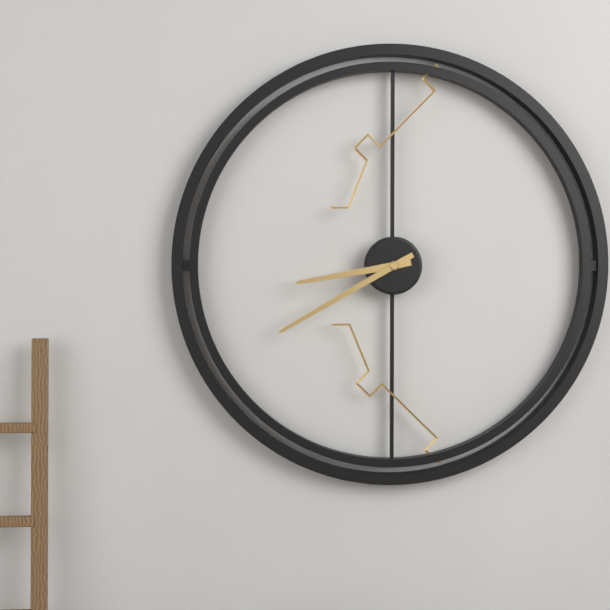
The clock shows 8:40
